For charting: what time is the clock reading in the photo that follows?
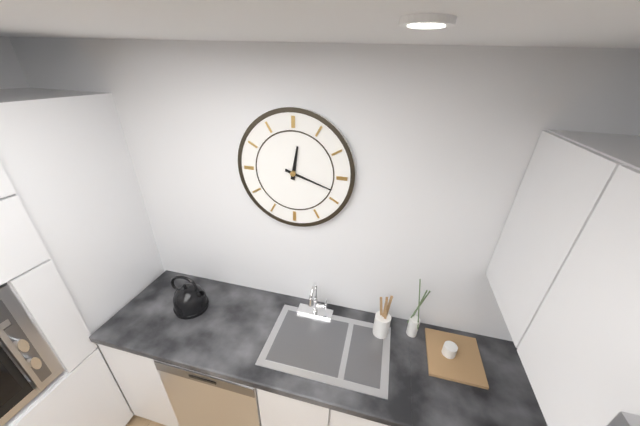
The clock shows 12:18
